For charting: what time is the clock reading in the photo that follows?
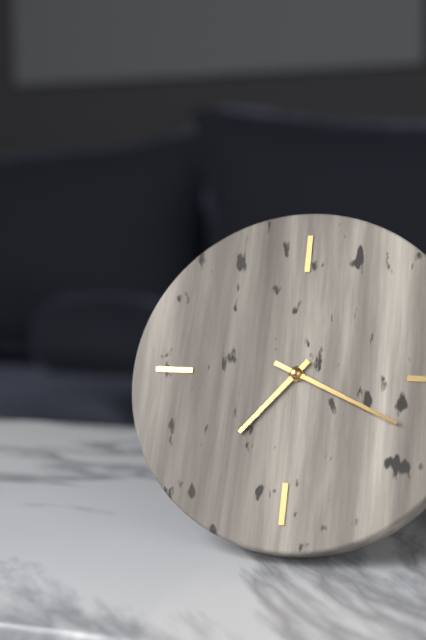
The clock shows 7:19
